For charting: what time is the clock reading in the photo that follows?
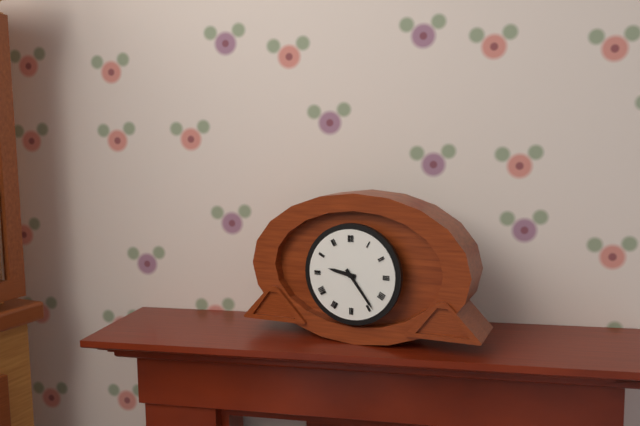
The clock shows 9:24
